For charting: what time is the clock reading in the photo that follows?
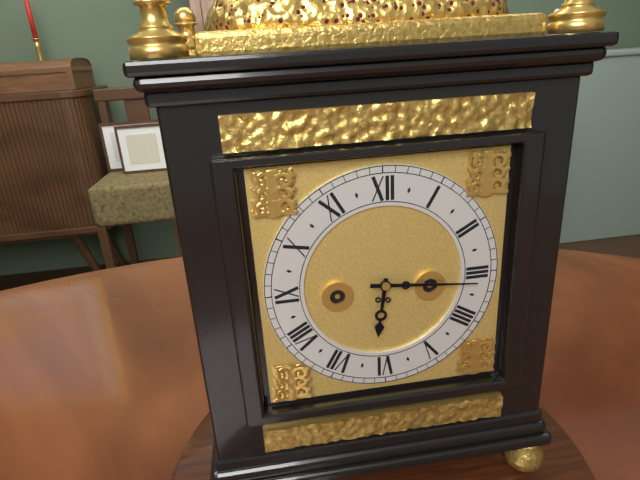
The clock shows 6:16
